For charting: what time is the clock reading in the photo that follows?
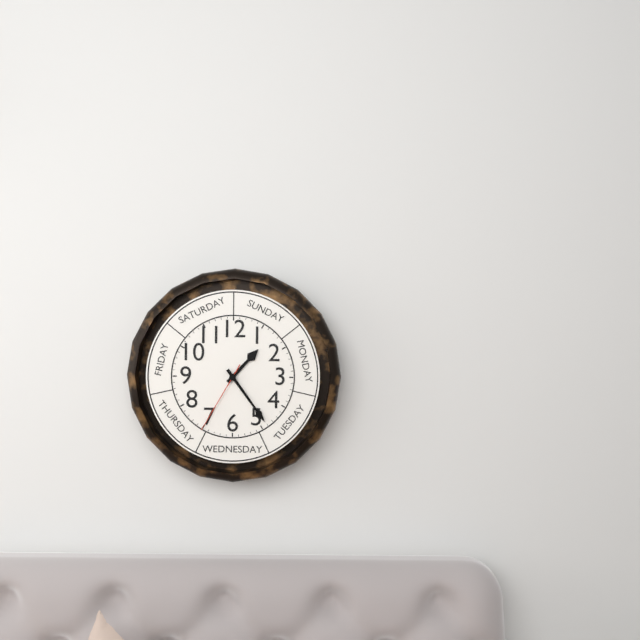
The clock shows 1:24:35
